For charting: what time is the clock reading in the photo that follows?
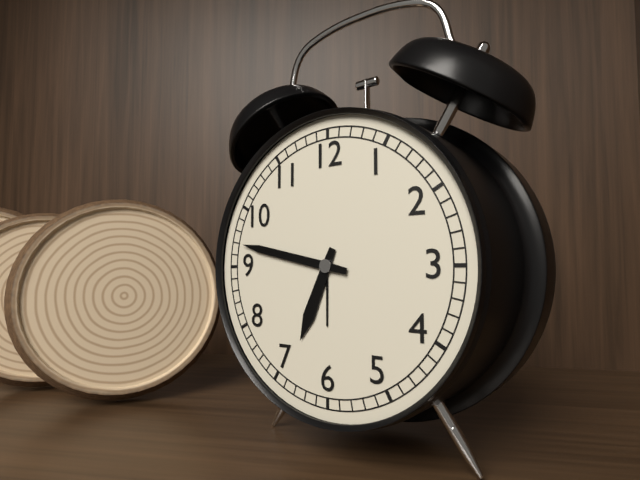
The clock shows 6:47
